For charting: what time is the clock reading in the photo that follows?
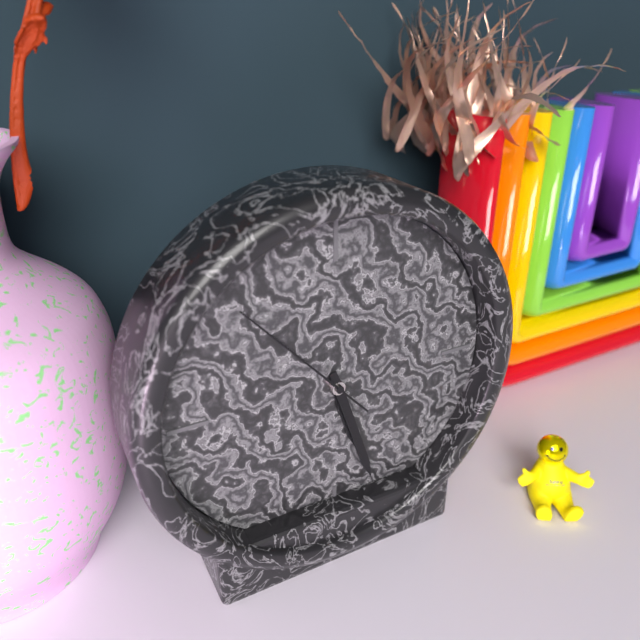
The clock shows 5:27:53
